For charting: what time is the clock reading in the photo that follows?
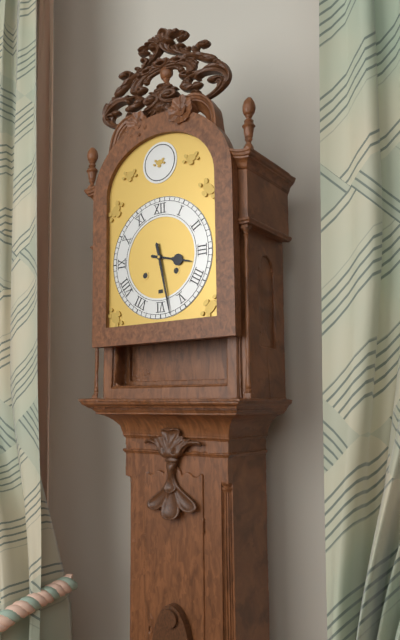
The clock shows 3:28
